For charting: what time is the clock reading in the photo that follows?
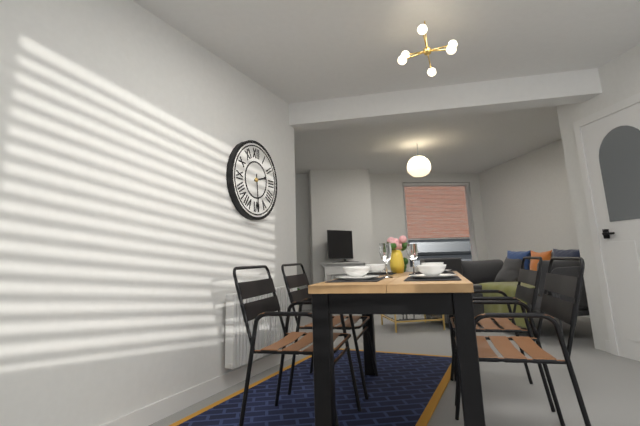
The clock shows 2:29
